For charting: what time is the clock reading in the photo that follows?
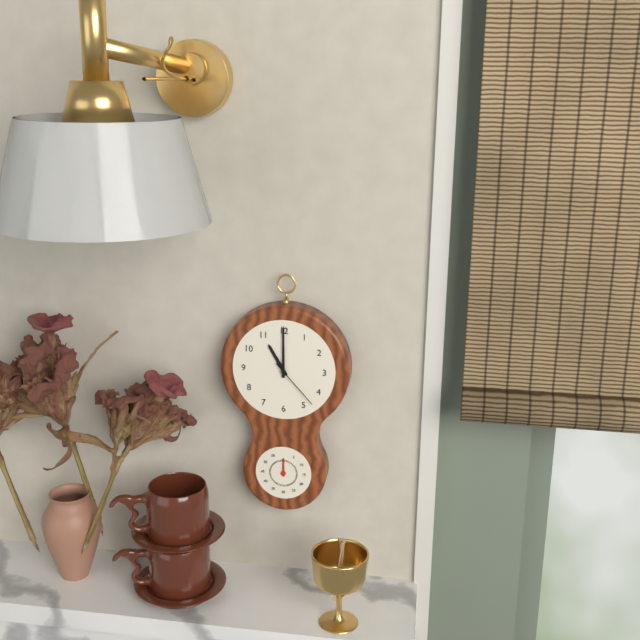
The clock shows 11:00:23
